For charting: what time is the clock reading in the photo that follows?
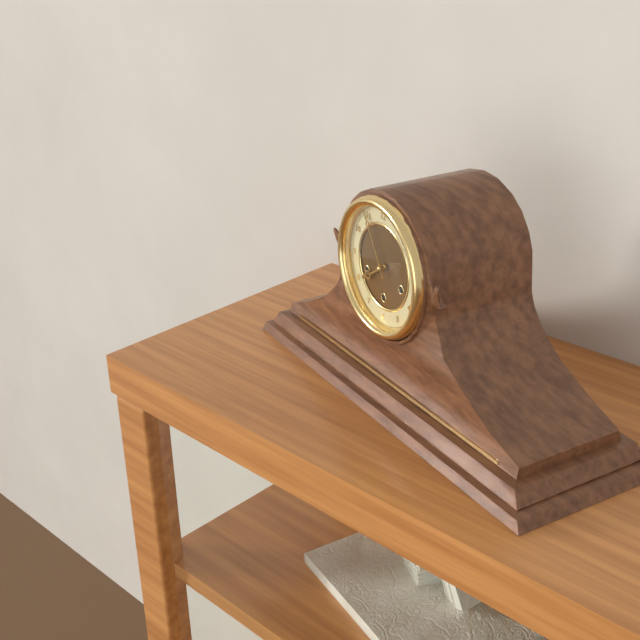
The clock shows 7:55
